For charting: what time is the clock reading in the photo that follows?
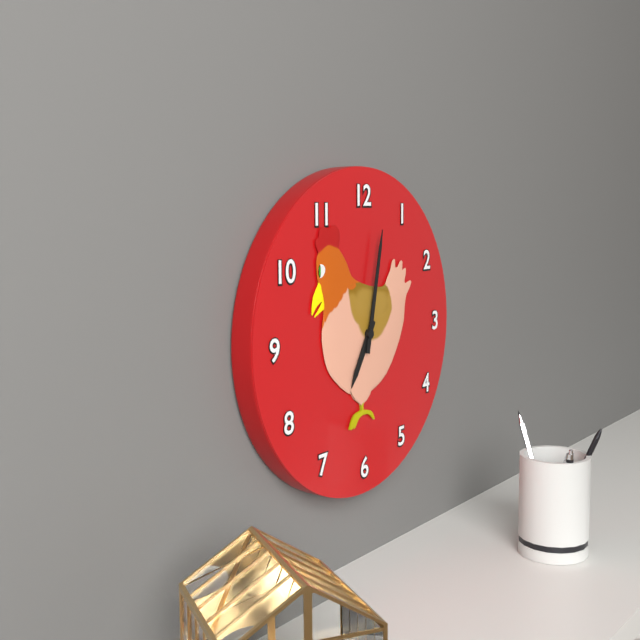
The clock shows 7:02
